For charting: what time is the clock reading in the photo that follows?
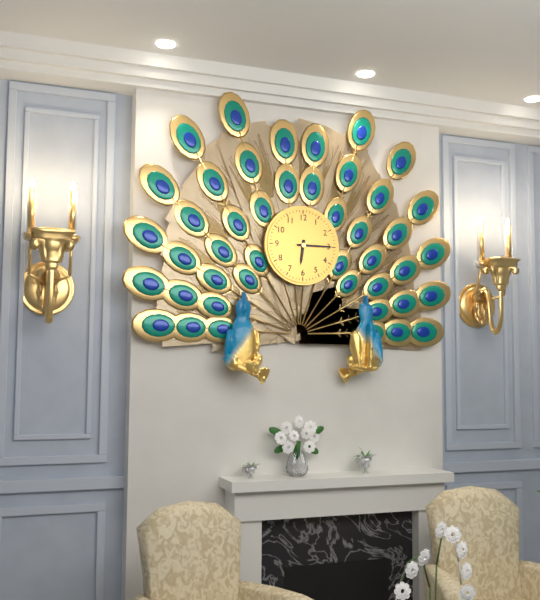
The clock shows 6:15
